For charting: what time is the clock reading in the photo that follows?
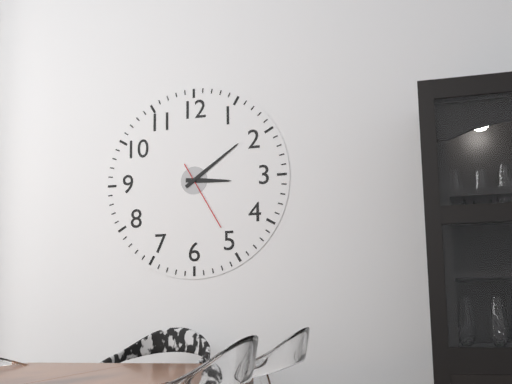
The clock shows 3:09:25
